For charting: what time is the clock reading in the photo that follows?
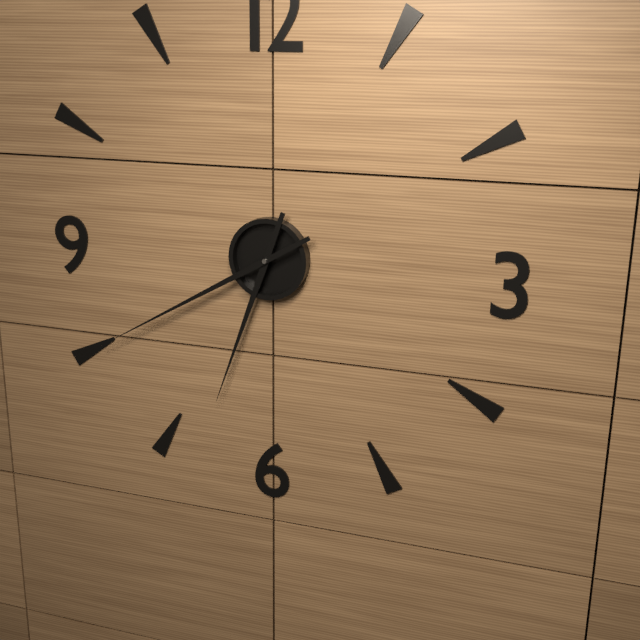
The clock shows 6:40
